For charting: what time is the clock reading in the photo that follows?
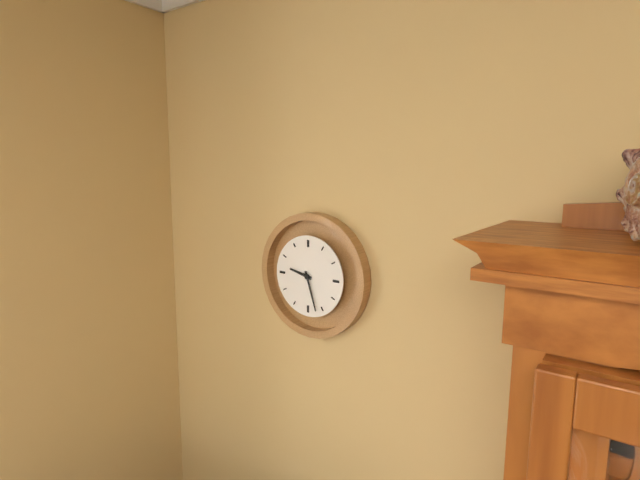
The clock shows 9:27
